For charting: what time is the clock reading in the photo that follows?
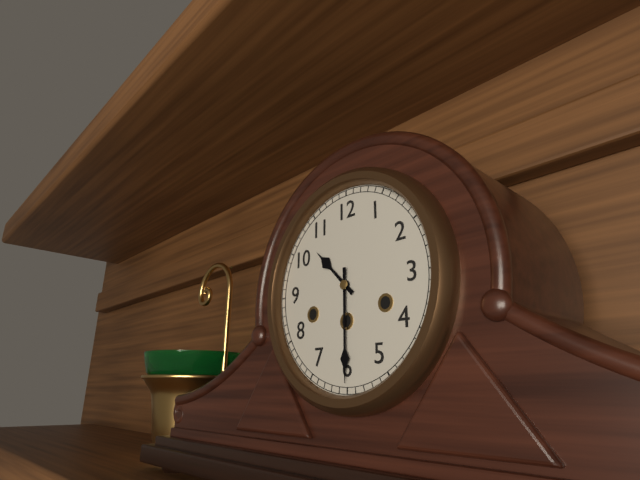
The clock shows 10:30
